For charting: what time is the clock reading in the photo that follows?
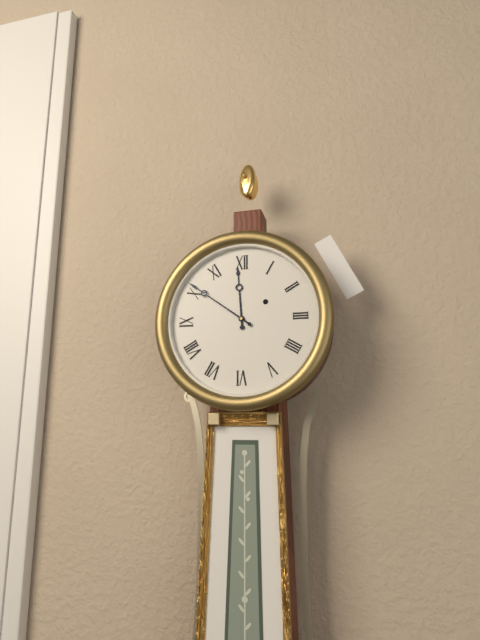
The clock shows 11:51
